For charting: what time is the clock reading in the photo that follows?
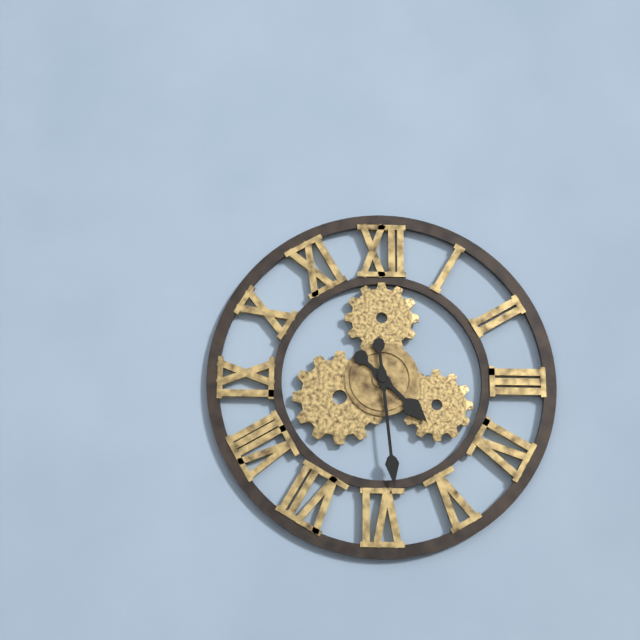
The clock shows 4:29
